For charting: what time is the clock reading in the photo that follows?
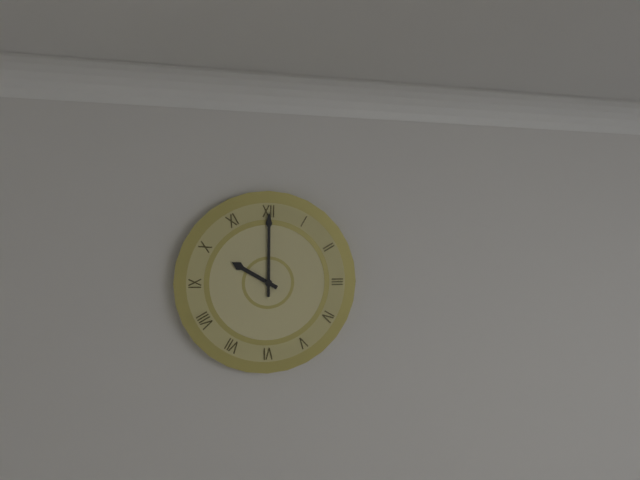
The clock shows 10:00
